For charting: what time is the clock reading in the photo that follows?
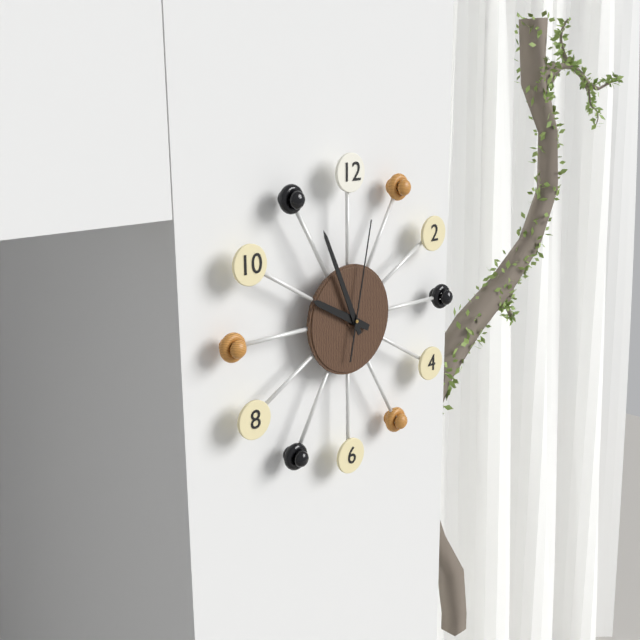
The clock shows 9:56:02
